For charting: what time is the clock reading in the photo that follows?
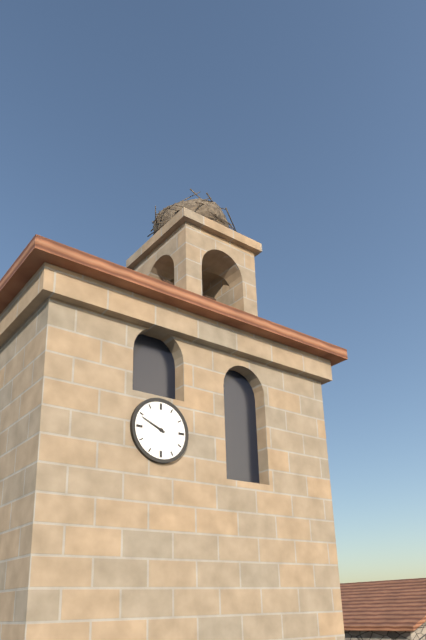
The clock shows 9:49
